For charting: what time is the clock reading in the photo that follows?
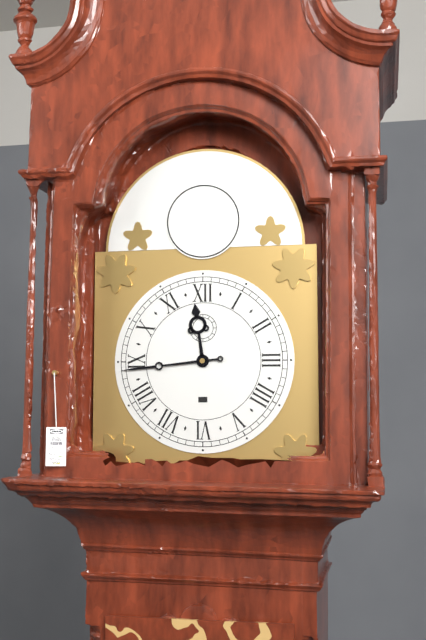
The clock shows 11:44
